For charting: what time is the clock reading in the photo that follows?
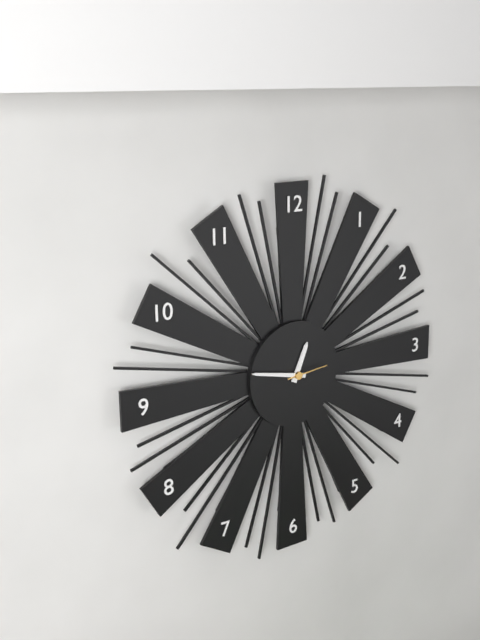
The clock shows 12:47:14
